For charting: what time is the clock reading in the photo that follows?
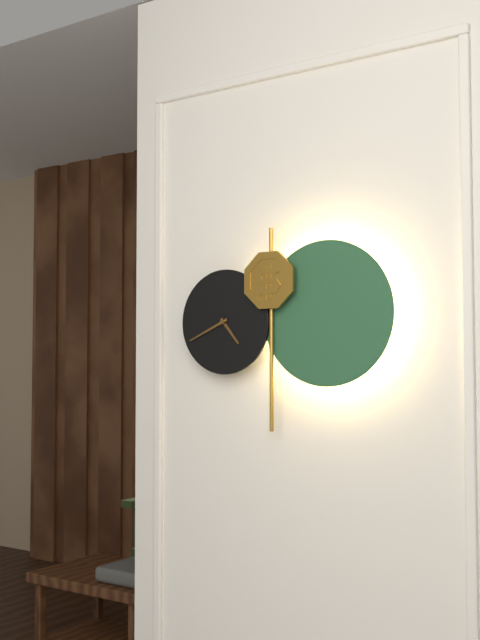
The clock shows 4:41
